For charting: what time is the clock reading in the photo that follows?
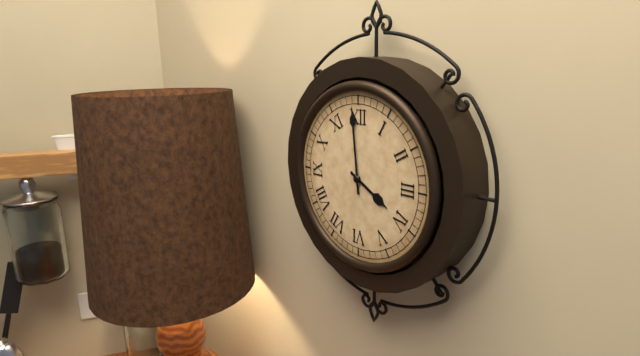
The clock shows 3:59
